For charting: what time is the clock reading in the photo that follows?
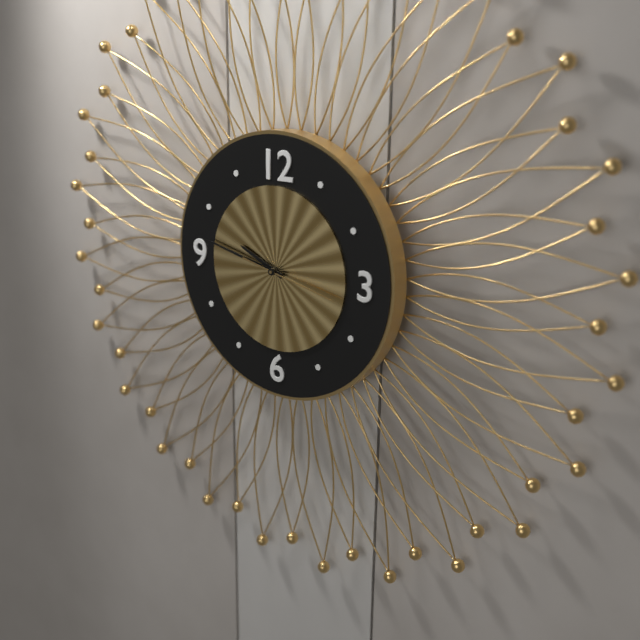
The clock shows 9:47:17
